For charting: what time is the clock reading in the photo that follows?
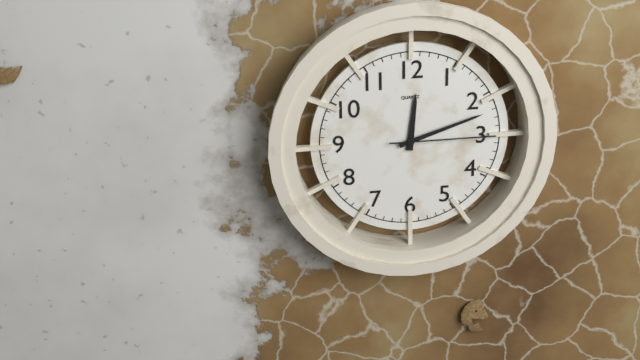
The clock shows 12:12:15
